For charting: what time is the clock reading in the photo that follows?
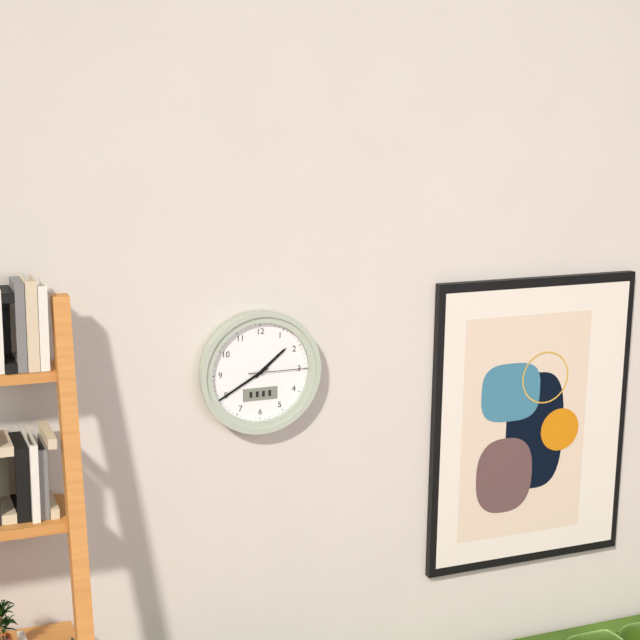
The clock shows 1:40:15
